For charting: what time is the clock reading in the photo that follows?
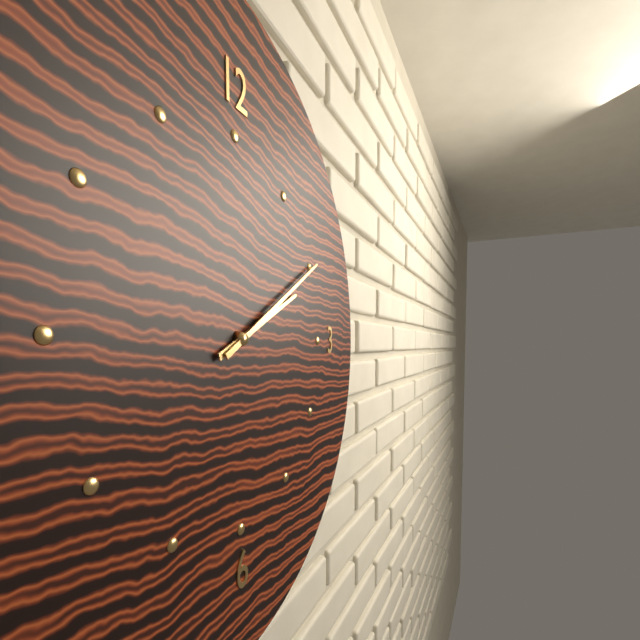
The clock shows 2:10
